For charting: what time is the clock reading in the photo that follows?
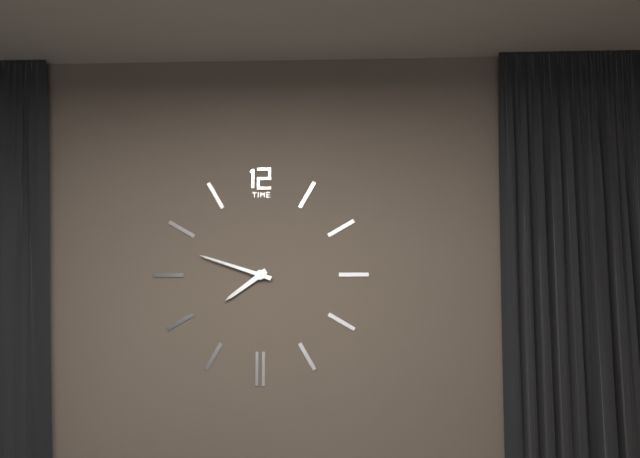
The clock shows 7:48
